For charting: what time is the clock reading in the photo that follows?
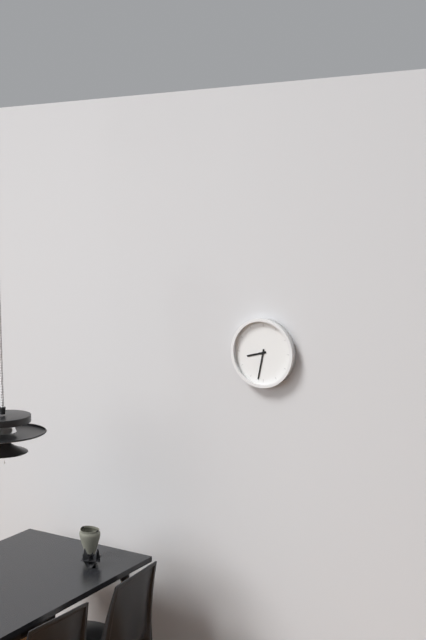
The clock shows 8:32
